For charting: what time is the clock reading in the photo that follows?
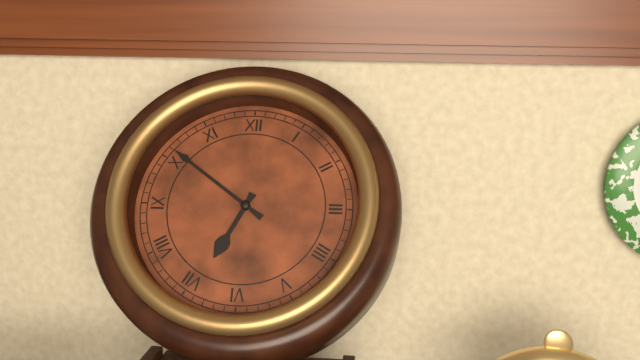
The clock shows 6:51
